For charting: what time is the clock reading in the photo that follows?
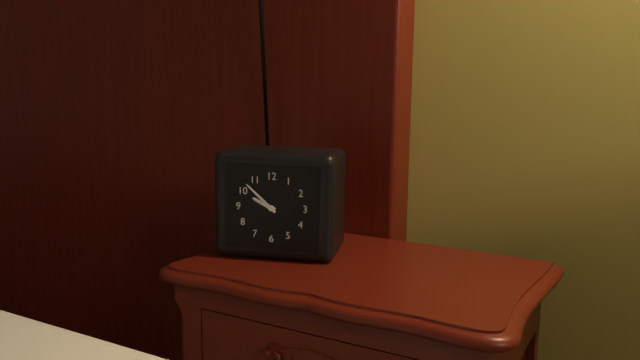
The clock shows 9:52
